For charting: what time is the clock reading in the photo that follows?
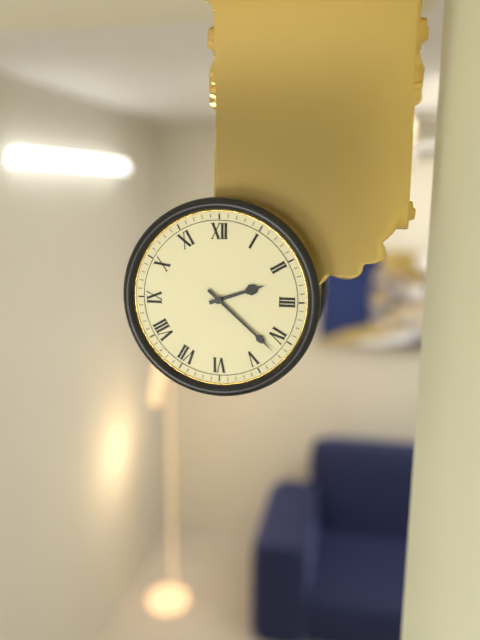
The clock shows 2:22
